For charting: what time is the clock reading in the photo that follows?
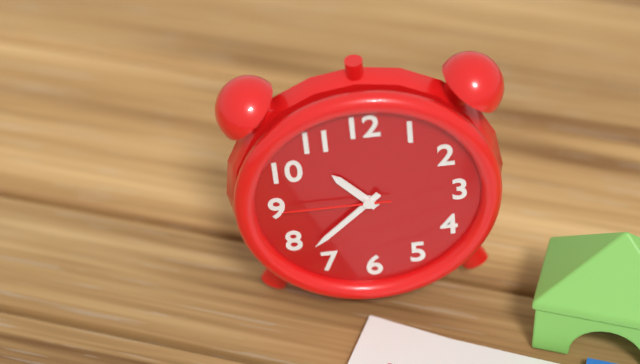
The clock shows 10:38:45
